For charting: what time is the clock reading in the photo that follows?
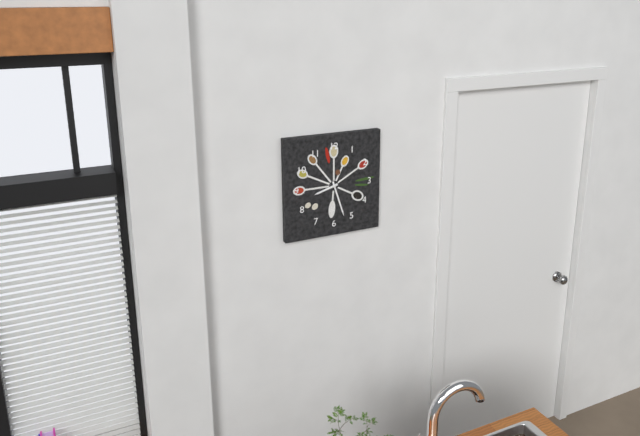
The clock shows 8:27
